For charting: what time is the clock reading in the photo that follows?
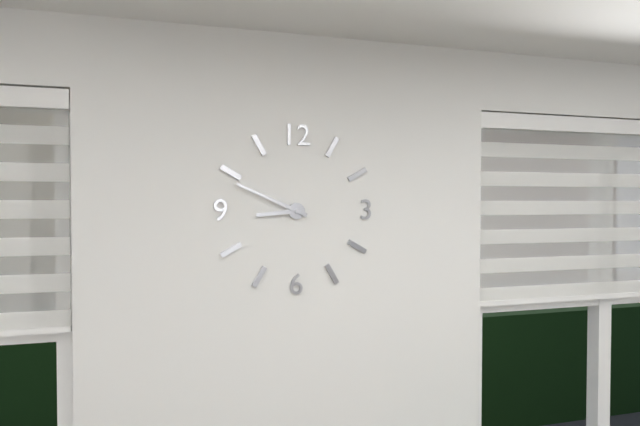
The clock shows 8:49
